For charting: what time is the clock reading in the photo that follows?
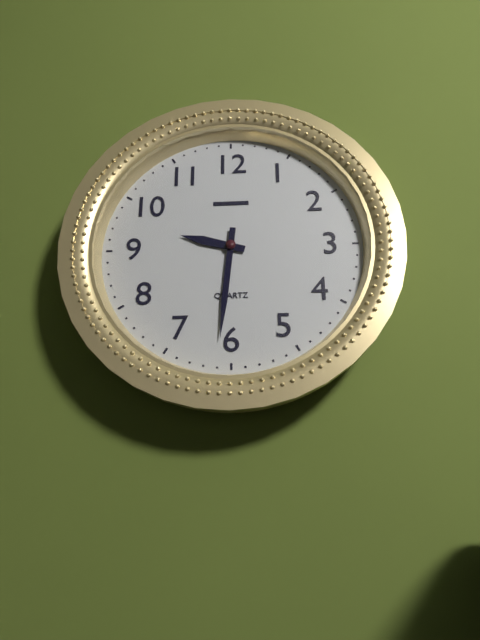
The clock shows 9:31
